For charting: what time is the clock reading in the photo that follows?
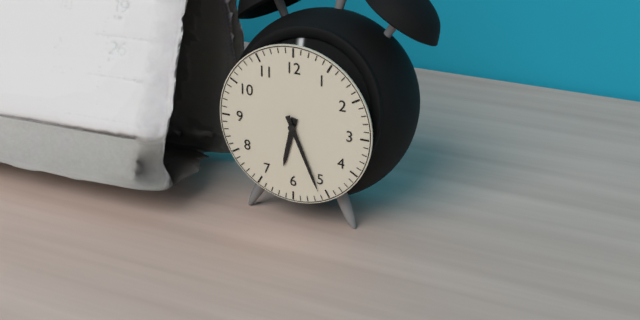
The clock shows 6:26
